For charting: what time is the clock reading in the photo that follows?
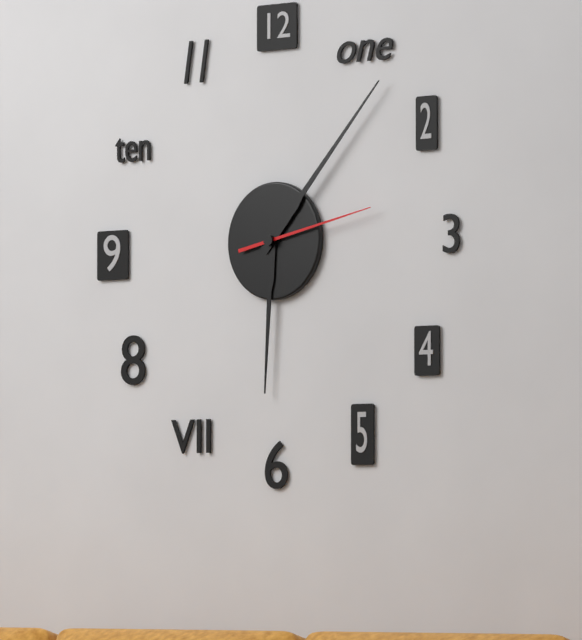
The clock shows 6:07:13
